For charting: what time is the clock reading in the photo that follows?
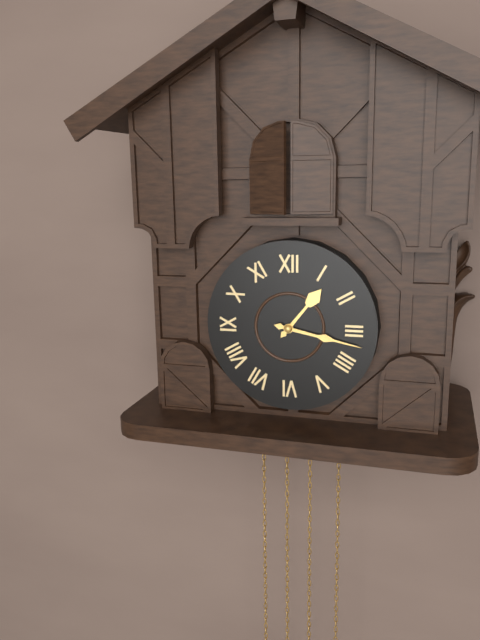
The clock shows 1:17
